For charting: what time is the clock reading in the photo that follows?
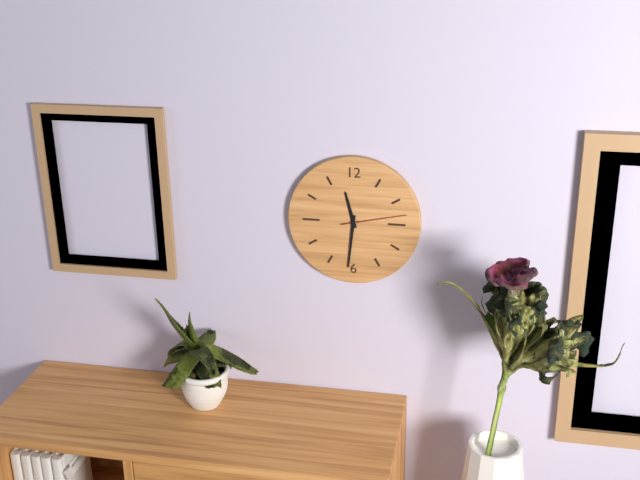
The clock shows 11:31:13
